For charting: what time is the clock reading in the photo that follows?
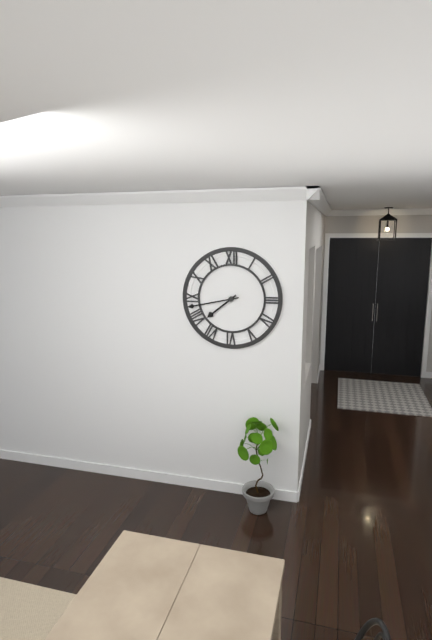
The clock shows 7:43
